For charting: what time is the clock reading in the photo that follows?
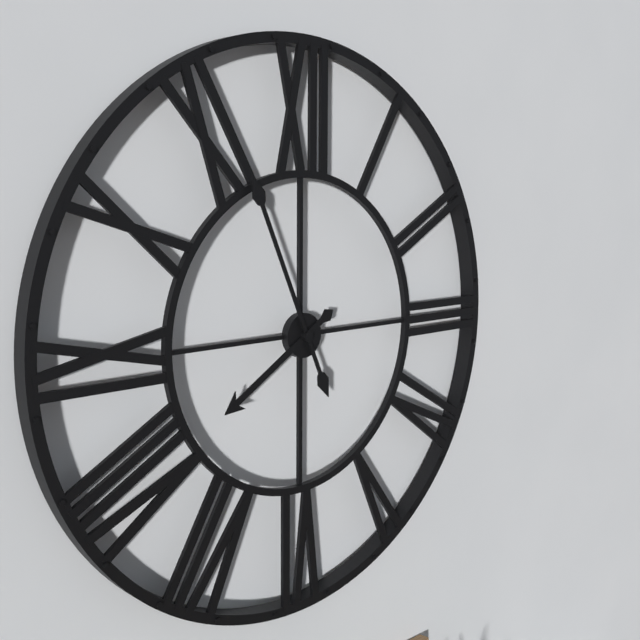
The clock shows 7:56
